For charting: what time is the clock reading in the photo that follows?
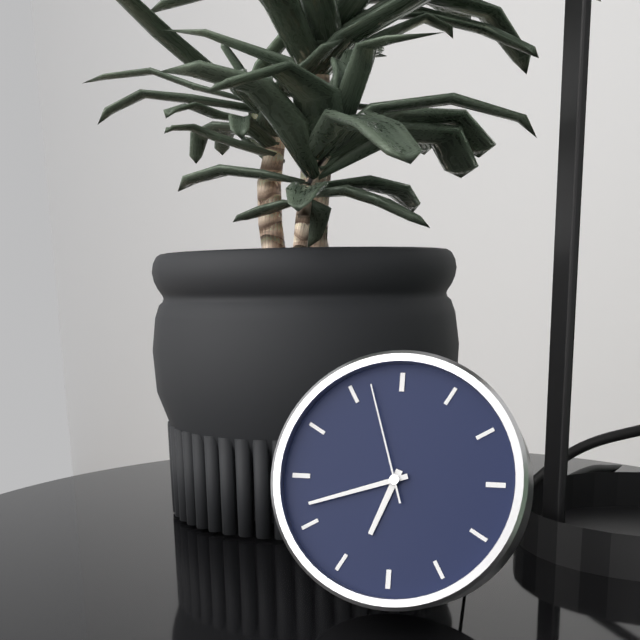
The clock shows 6:42:57
